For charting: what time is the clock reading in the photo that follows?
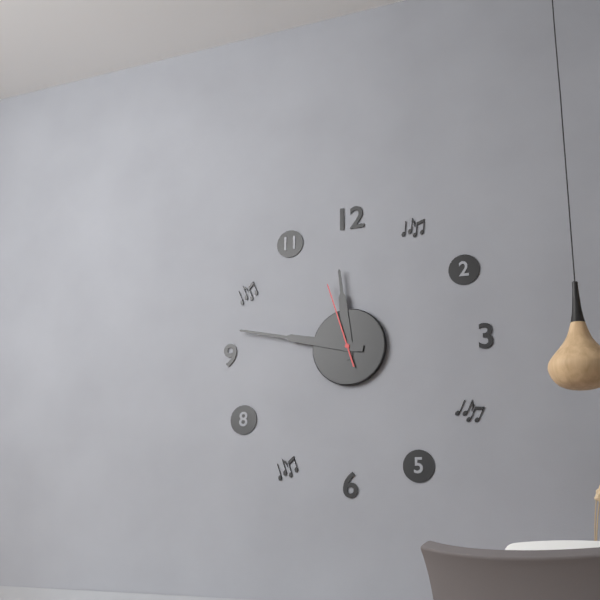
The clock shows 11:47:57
